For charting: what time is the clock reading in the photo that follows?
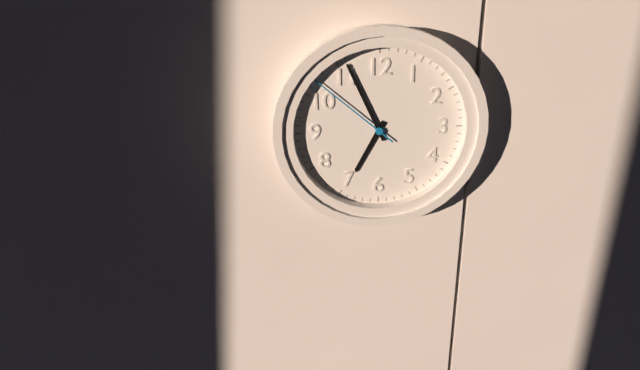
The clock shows 6:56:52
